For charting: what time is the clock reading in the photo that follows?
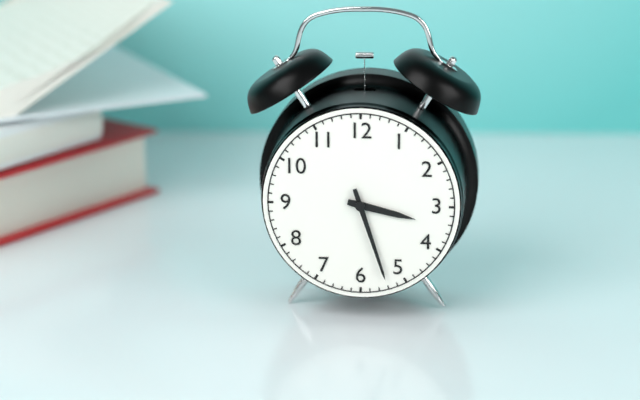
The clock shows 3:27
